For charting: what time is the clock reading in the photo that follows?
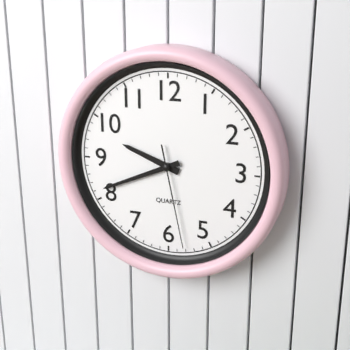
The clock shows 9:41:28
